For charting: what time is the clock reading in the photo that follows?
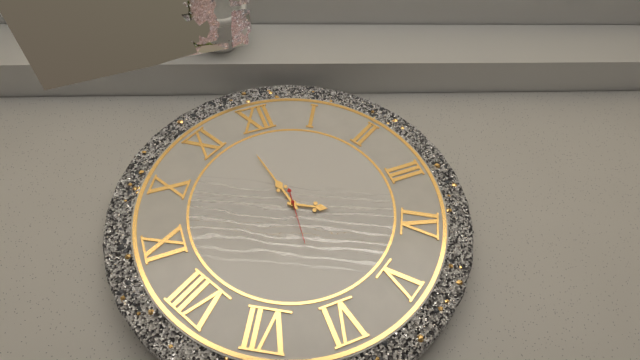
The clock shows 3:58
